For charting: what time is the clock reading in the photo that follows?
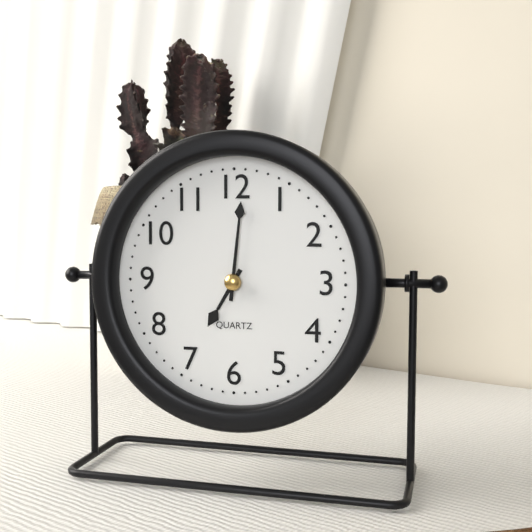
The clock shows 7:01
